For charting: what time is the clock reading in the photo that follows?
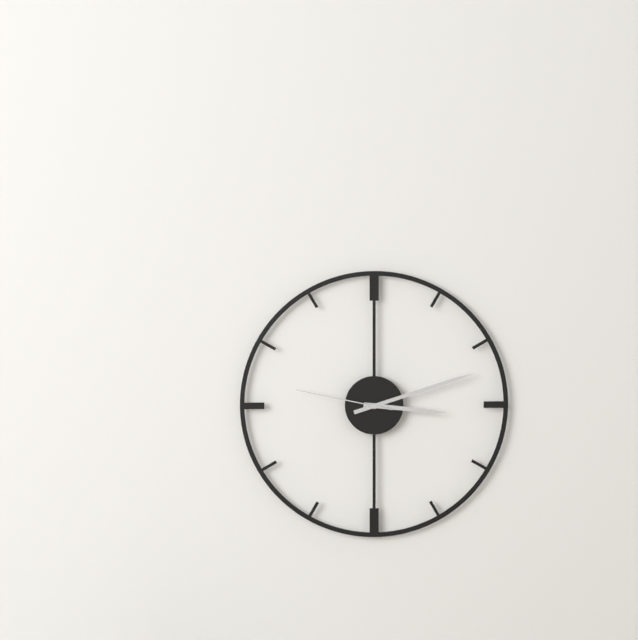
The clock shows 3:12:47
